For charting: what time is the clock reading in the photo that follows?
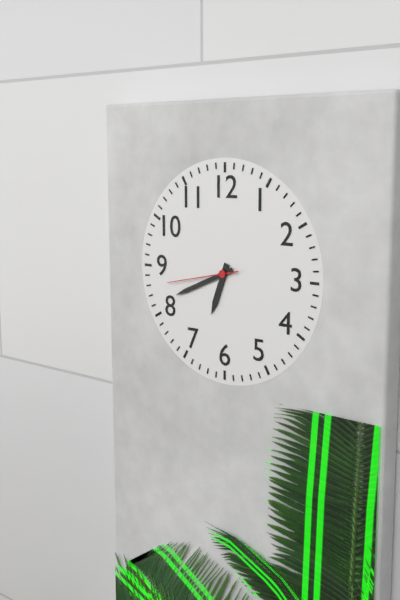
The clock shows 6:41:43
